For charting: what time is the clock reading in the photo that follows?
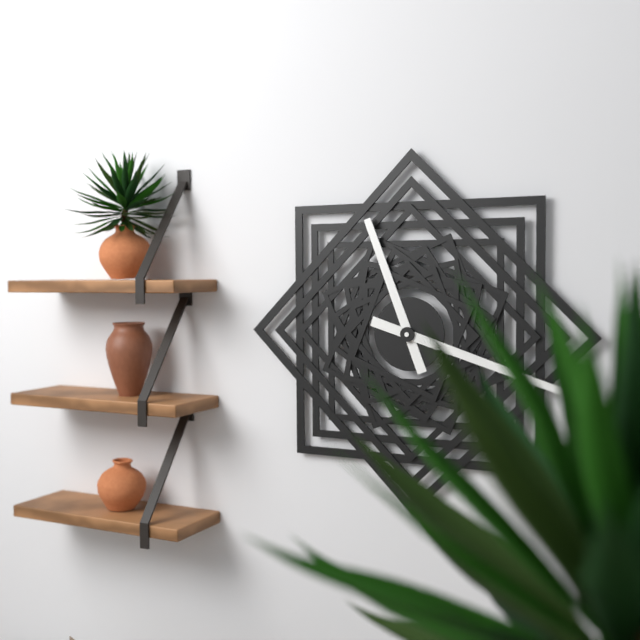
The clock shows 11:18
